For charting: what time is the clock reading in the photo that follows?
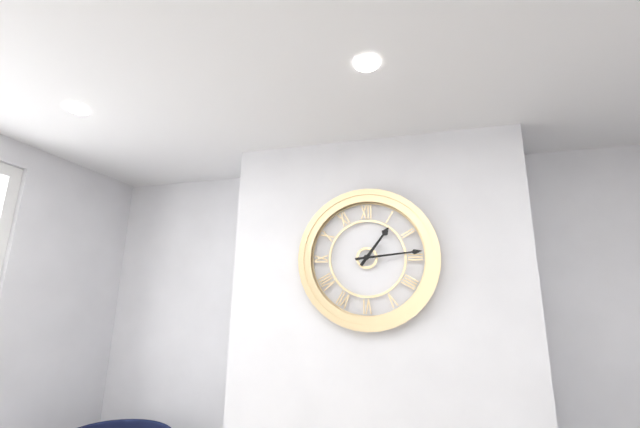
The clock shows 1:14
